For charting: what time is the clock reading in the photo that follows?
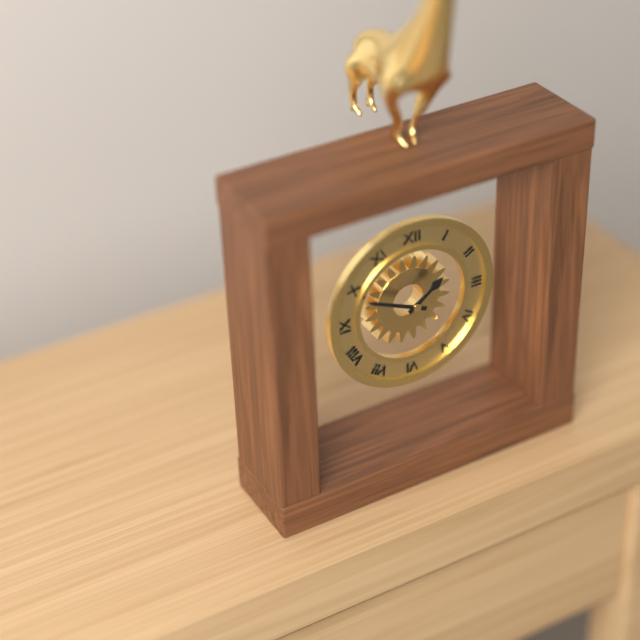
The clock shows 1:49
